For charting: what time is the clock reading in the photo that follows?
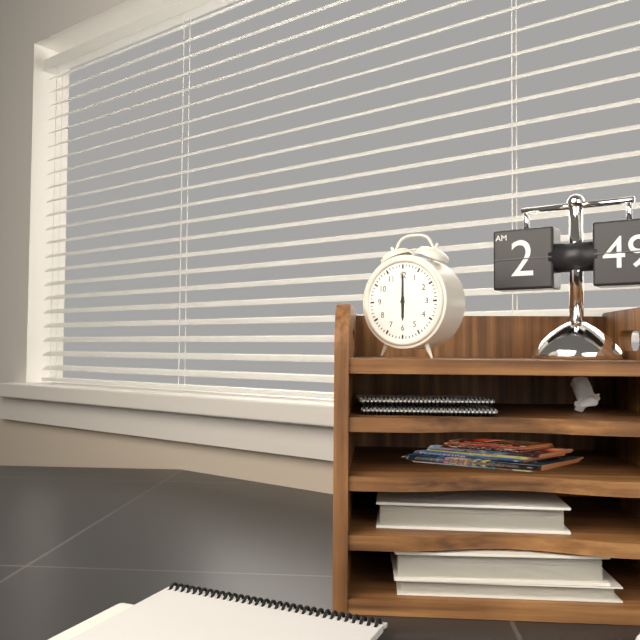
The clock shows 6:00
